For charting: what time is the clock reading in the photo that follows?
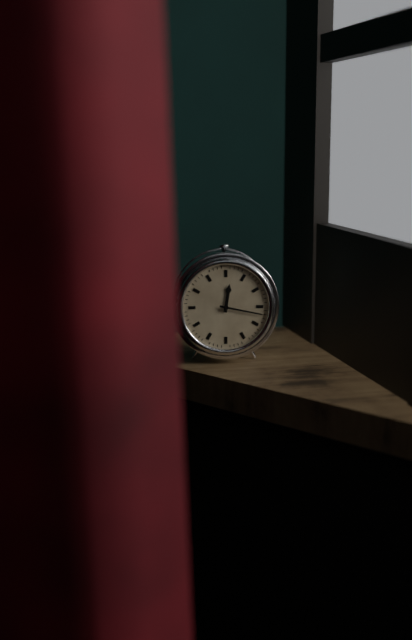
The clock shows 12:17
